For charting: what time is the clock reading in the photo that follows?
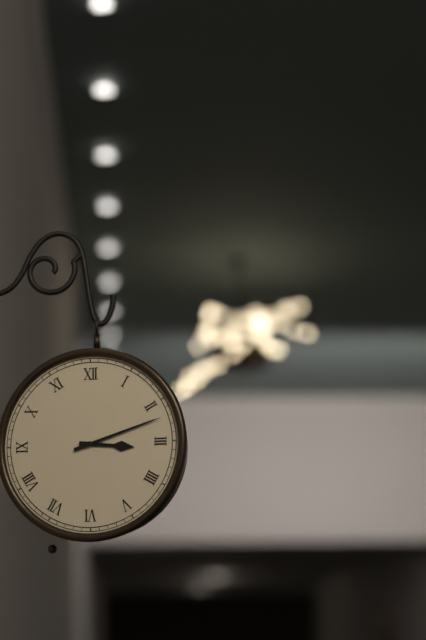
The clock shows 3:12
